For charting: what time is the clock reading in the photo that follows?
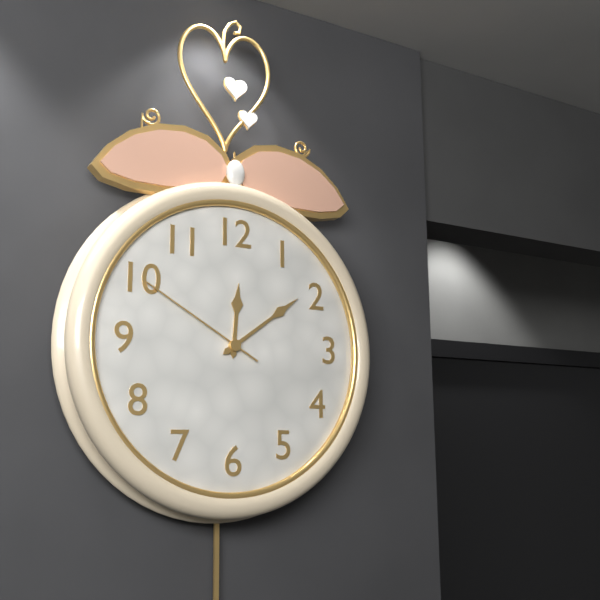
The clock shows 12:09:50
